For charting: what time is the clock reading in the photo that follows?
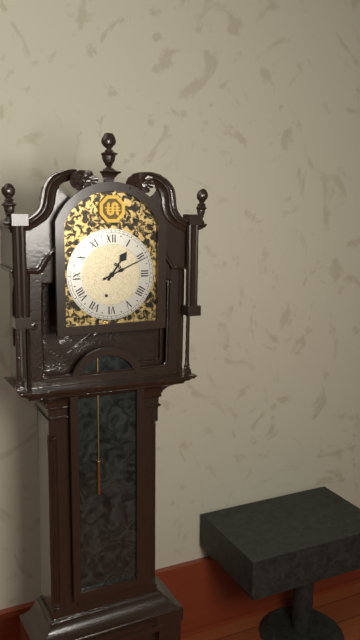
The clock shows 1:11
